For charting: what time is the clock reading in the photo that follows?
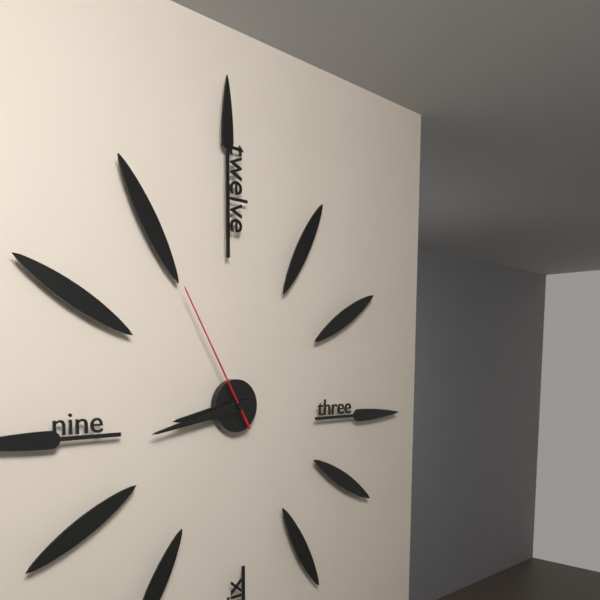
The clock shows 8:43:55
